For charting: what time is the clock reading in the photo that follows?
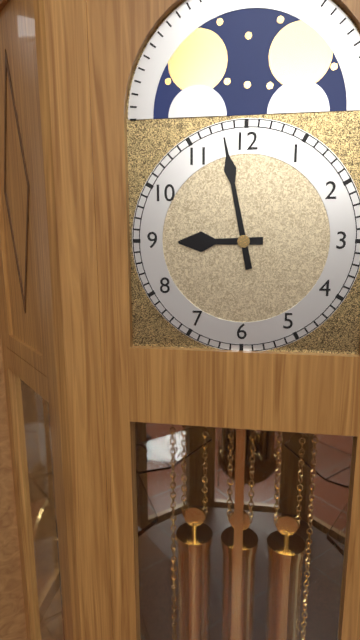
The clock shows 8:58
